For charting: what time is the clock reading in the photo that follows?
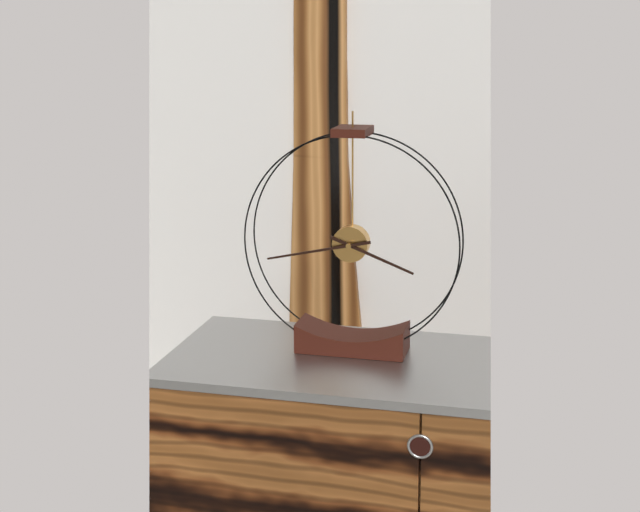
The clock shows 3:43
